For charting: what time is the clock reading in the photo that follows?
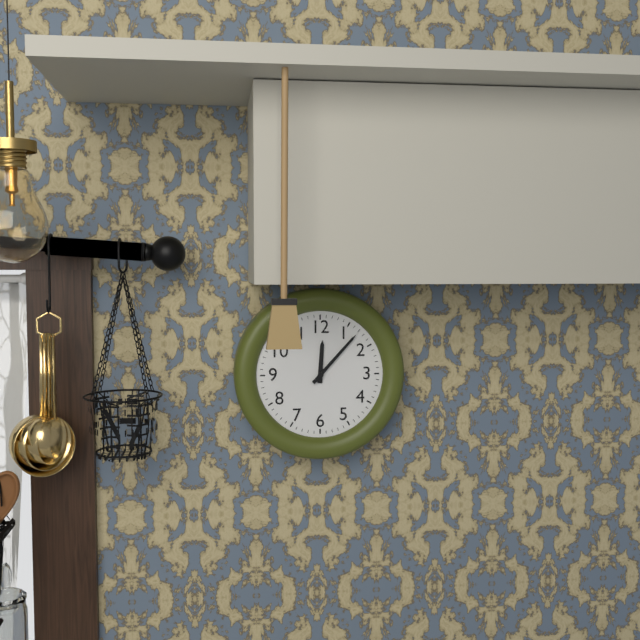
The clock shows 12:07
